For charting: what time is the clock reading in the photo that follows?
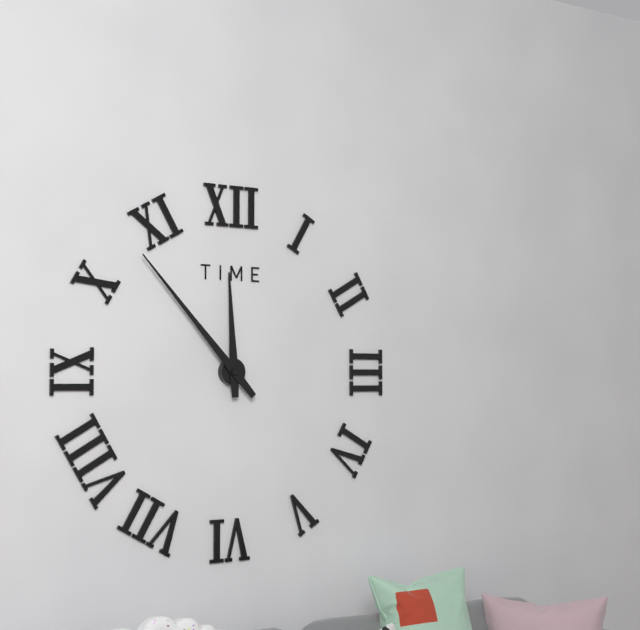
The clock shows 11:53
